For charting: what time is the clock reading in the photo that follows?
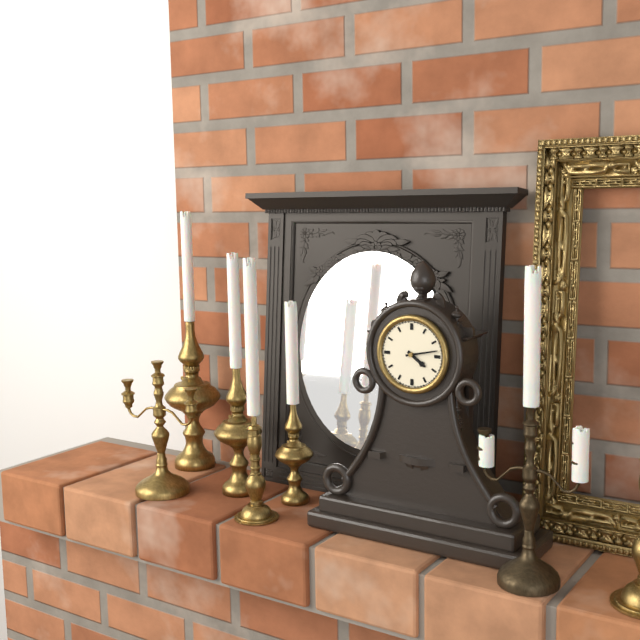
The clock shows 4:13
